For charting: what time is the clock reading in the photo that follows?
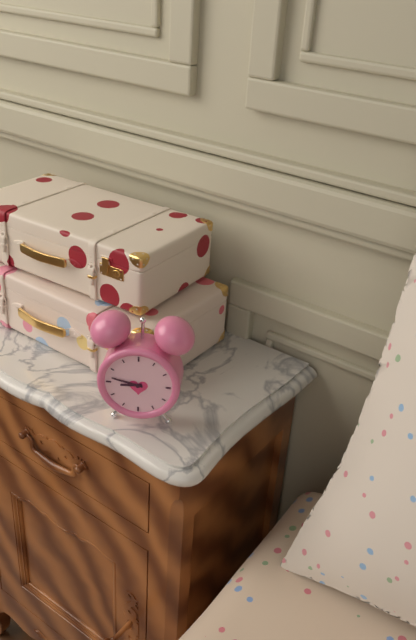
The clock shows 8:47
